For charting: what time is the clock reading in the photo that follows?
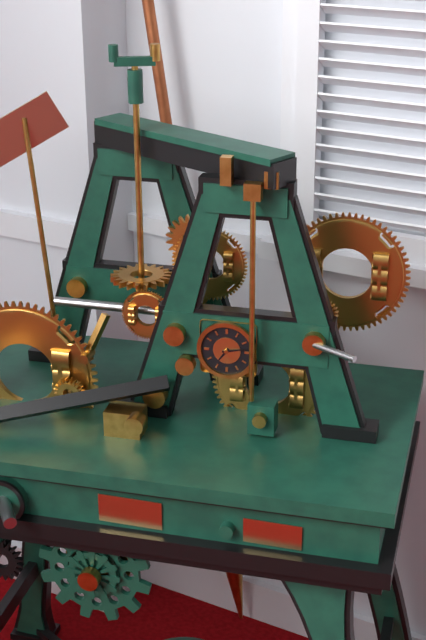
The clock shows 7:13
